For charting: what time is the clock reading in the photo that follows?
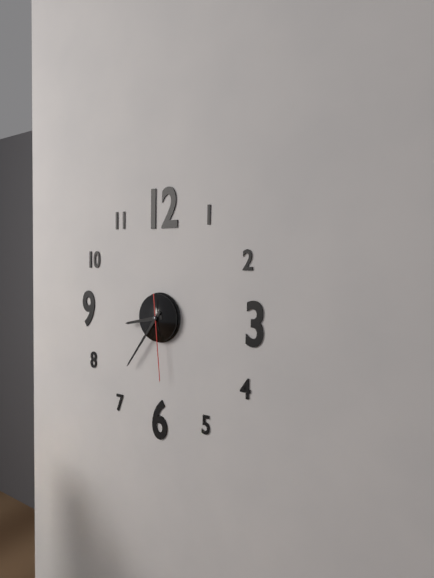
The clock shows 8:36:29
